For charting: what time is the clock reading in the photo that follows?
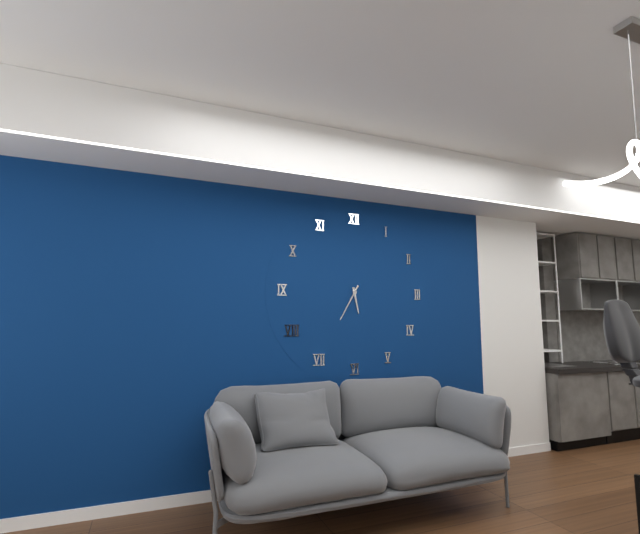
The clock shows 5:35
